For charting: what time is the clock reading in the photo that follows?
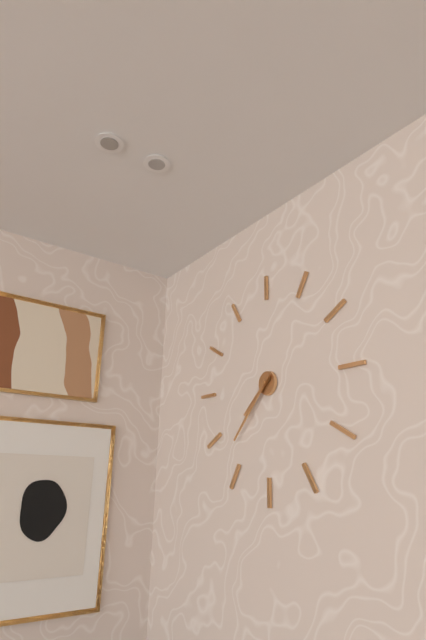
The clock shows 7:37
